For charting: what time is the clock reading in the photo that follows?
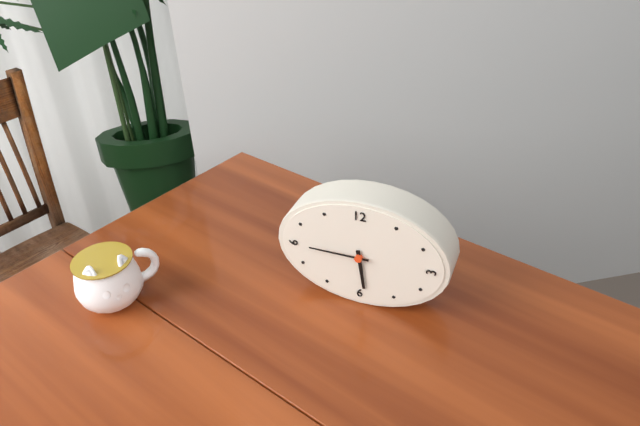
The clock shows 5:45
